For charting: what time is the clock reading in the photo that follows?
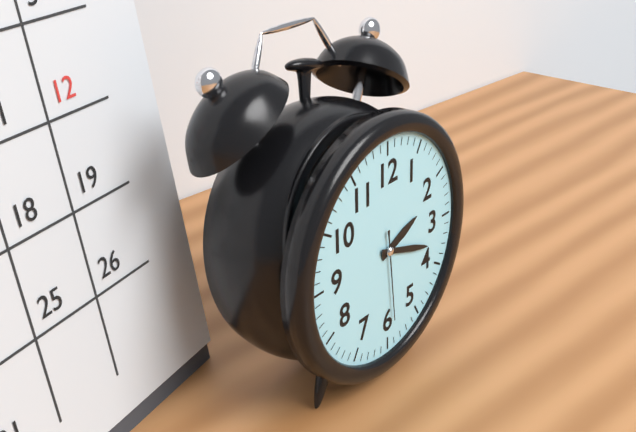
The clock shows 2:18:29
